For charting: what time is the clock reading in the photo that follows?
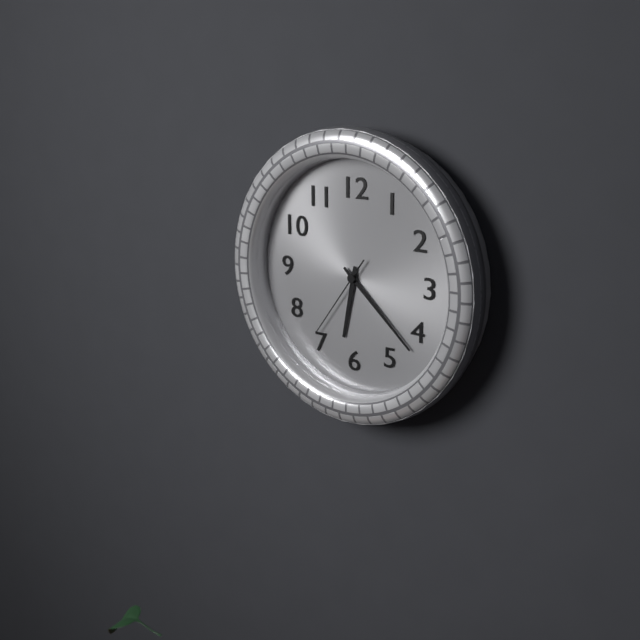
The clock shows 6:22:36
